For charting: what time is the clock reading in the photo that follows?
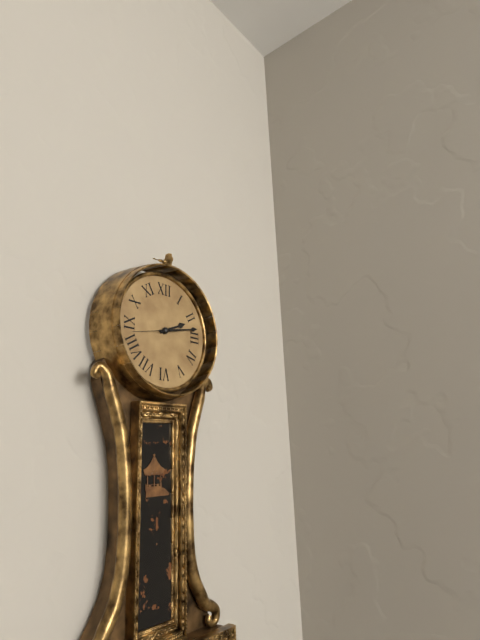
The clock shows 2:13
